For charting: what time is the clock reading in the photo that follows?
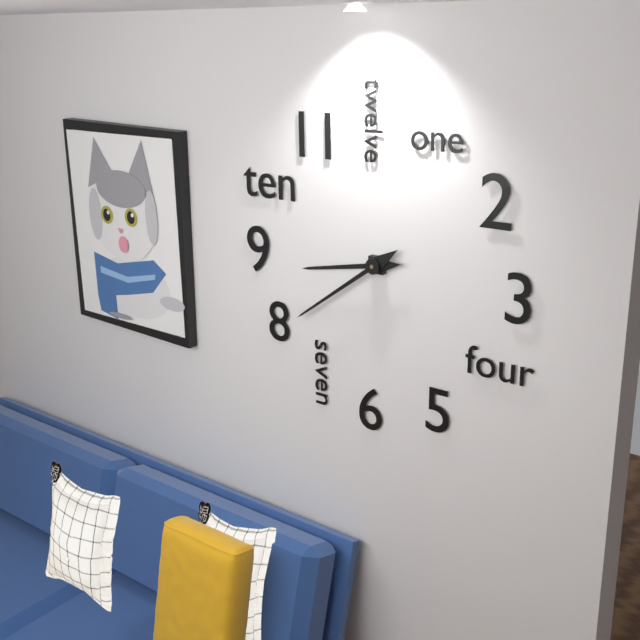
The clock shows 8:39
